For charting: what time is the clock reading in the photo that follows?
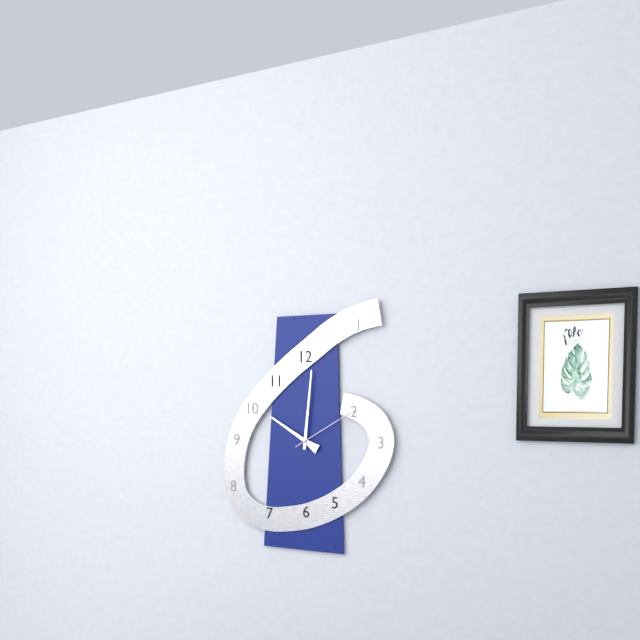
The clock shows 10:01:10
